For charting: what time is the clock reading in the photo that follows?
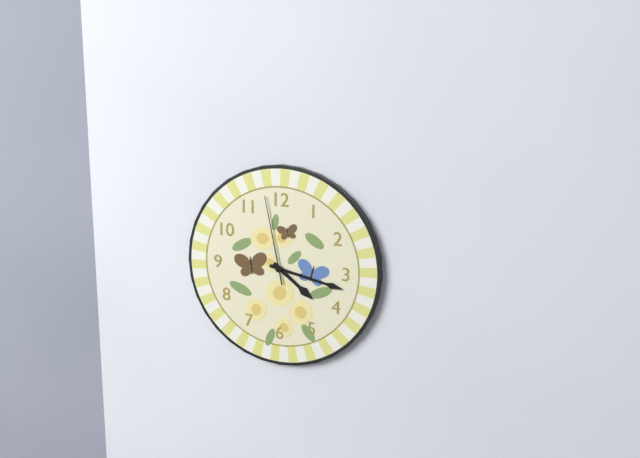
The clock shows 4:17:58
